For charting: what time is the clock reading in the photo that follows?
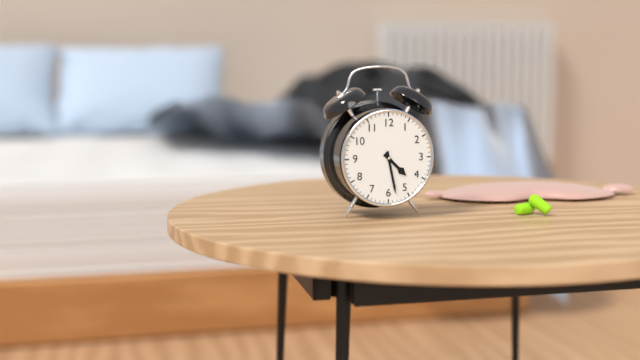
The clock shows 4:28
